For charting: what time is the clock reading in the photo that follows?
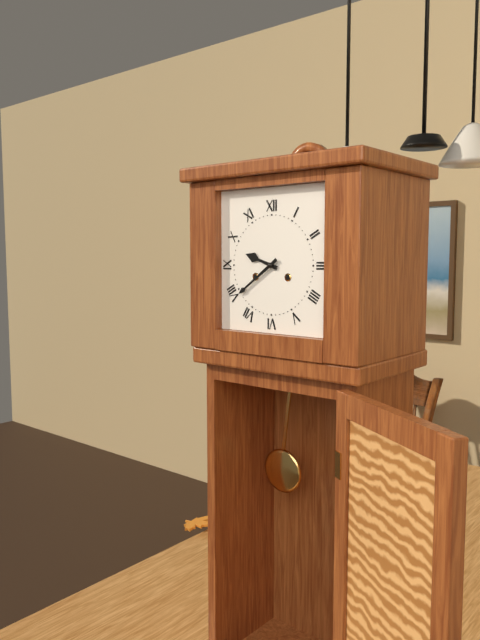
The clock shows 9:39
